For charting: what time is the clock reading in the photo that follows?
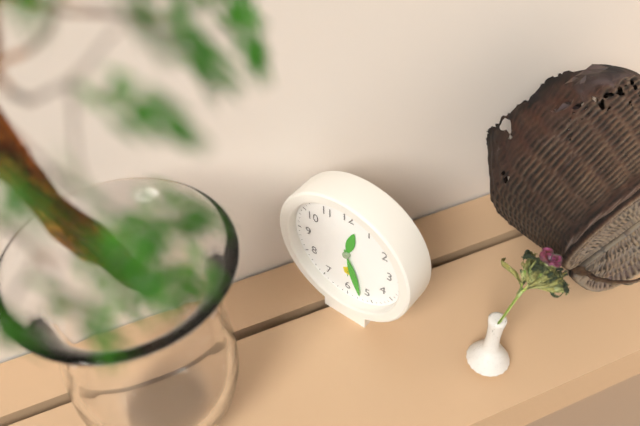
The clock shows 12:27
